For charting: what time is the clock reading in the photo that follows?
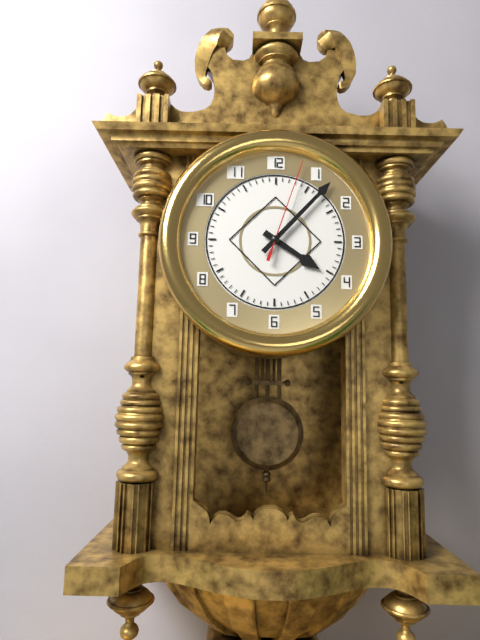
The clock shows 4:07:03
